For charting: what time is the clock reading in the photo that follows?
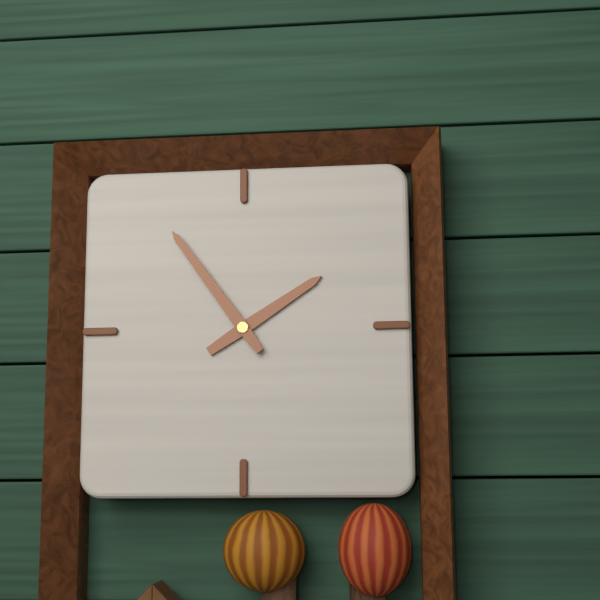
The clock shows 1:54
